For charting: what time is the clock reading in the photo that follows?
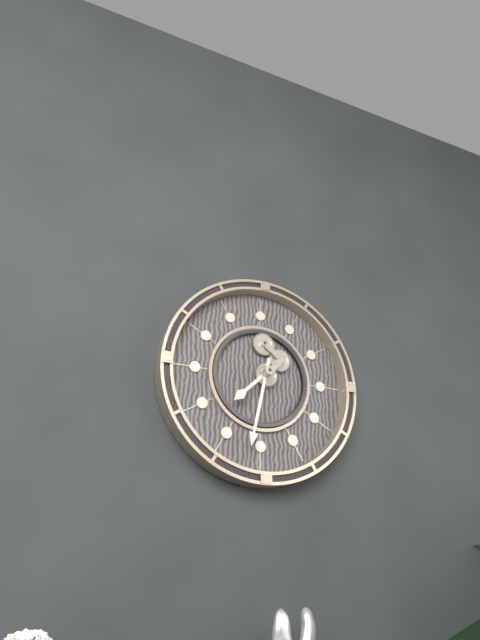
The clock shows 7:32
